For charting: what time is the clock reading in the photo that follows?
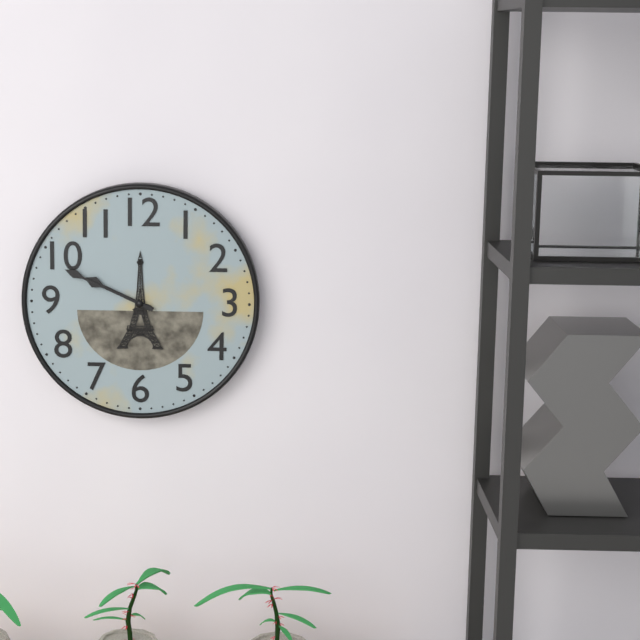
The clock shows 9:49
